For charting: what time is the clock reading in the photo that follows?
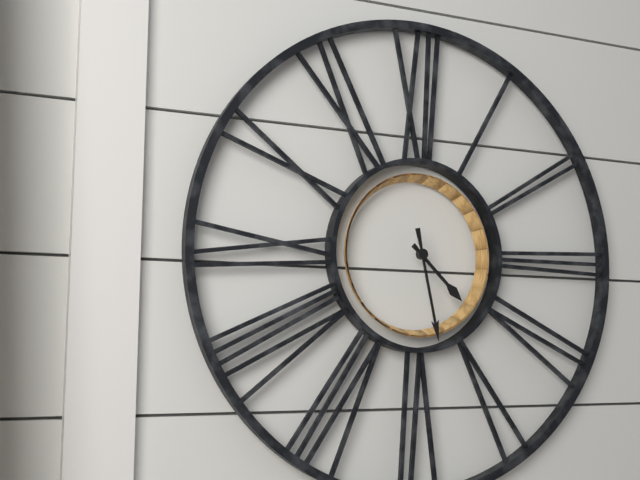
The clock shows 4:28
